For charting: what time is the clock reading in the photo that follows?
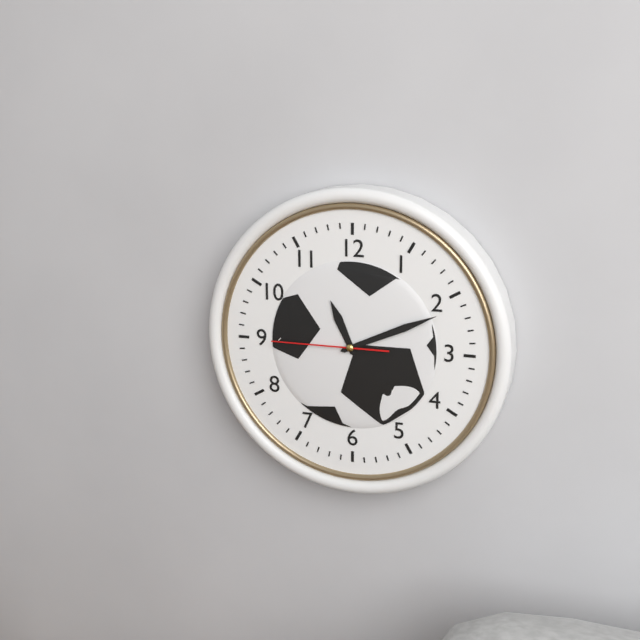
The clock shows 11:11:45
